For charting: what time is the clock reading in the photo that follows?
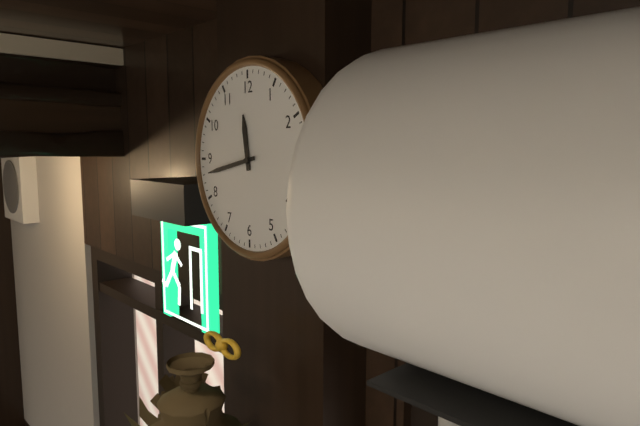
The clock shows 11:43
